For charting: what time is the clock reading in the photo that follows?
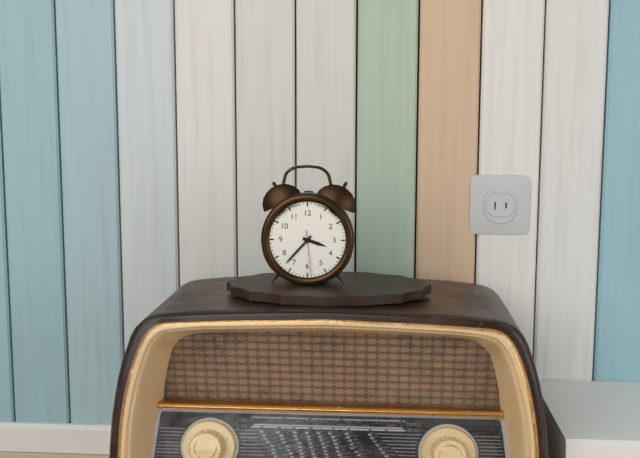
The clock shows 3:37
